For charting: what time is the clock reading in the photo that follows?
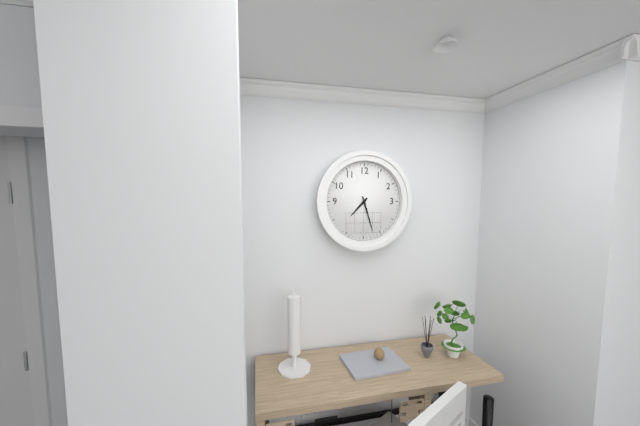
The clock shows 7:27
